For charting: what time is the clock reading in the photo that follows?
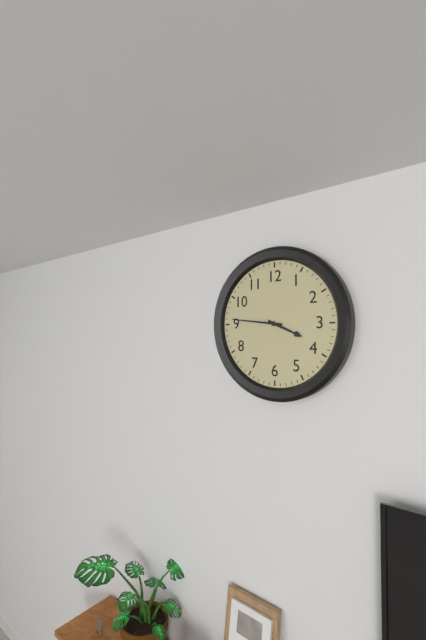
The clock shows 3:46
